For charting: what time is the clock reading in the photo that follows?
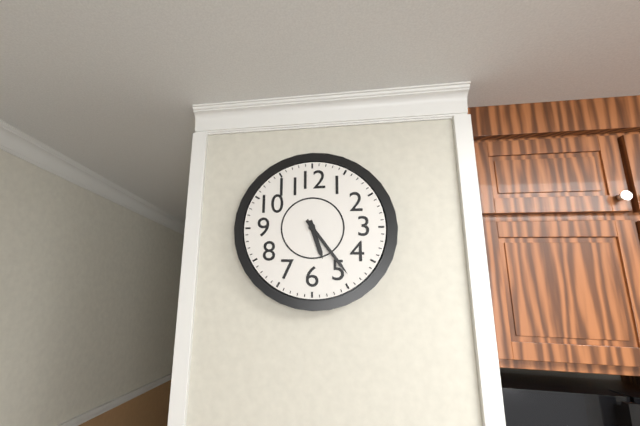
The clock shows 5:24
